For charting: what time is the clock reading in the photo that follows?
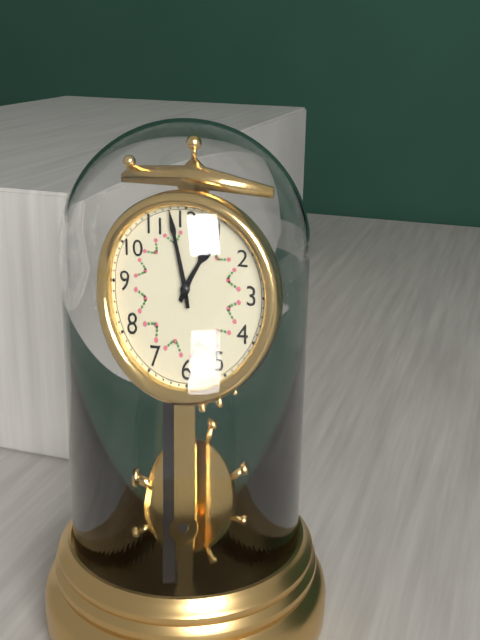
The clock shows 12:58
